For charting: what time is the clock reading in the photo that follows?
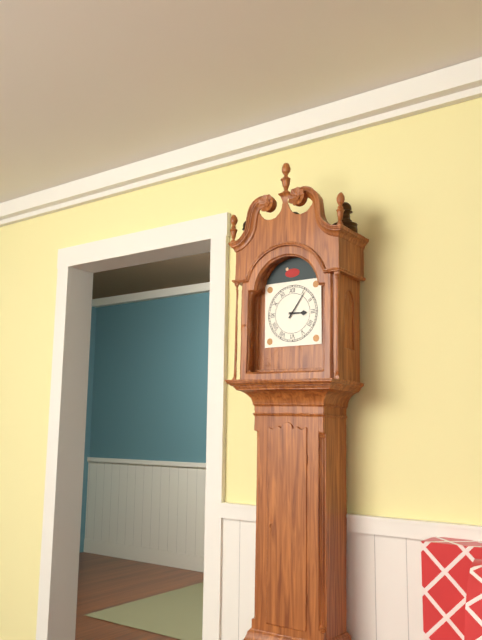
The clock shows 3:06
